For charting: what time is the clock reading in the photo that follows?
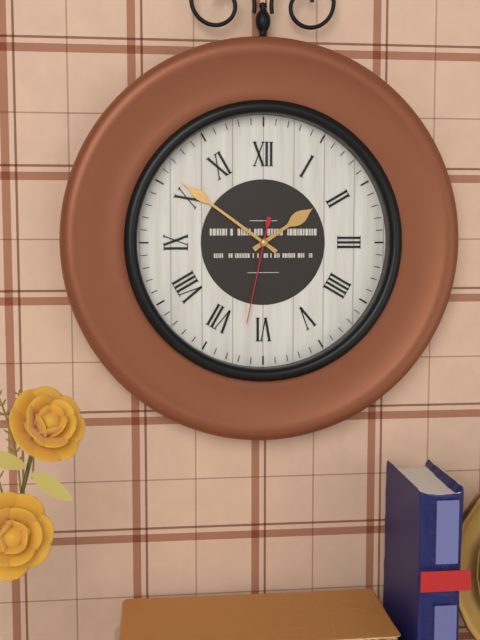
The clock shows 1:51:32
